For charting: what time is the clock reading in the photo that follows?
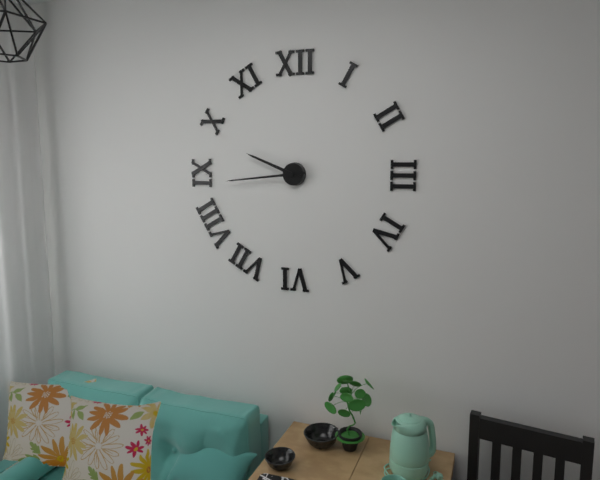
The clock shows 9:44
